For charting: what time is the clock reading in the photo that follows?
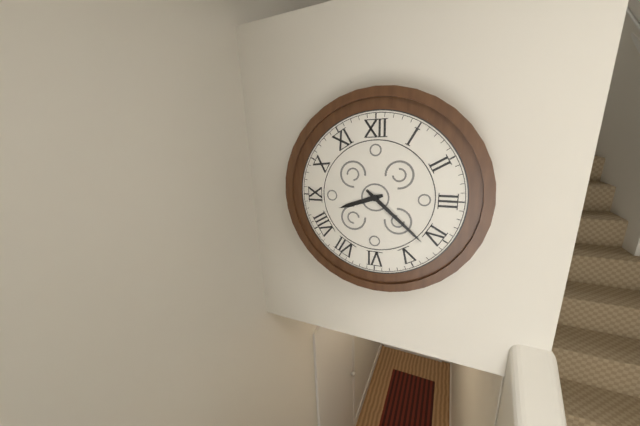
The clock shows 8:22
